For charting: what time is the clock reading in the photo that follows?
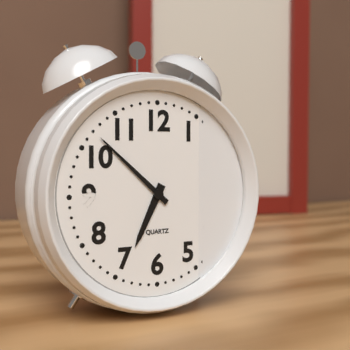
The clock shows 6:52
